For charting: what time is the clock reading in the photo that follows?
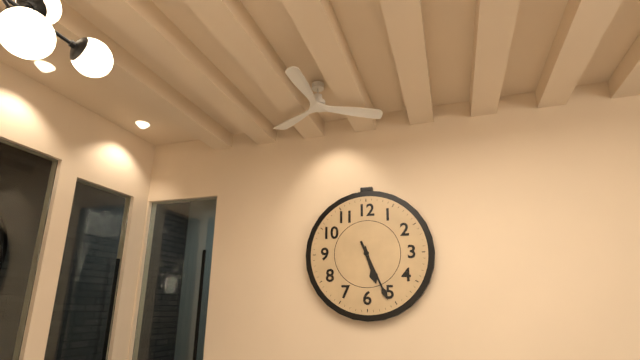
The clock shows 5:26
